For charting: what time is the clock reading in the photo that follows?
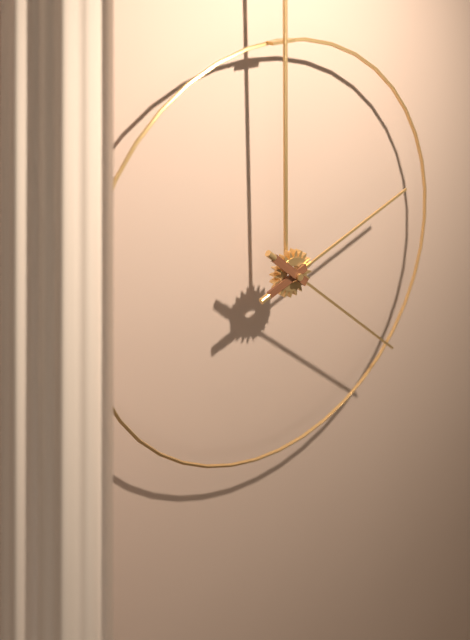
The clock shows 2:22
